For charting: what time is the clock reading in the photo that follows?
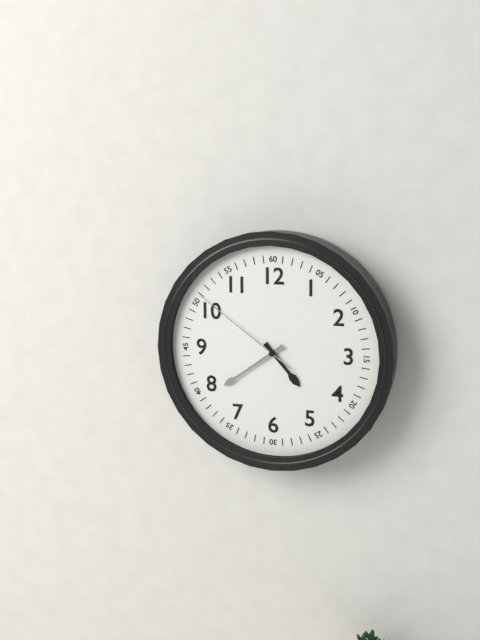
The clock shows 4:39:51
